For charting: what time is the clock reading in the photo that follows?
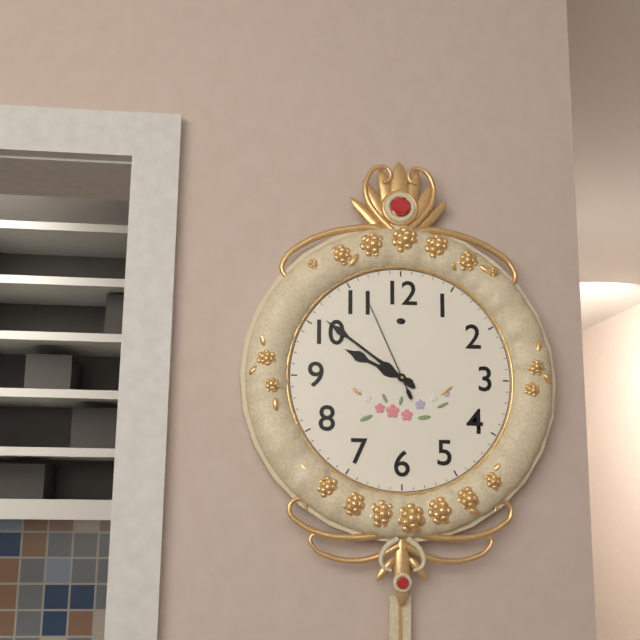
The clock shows 9:51:56
